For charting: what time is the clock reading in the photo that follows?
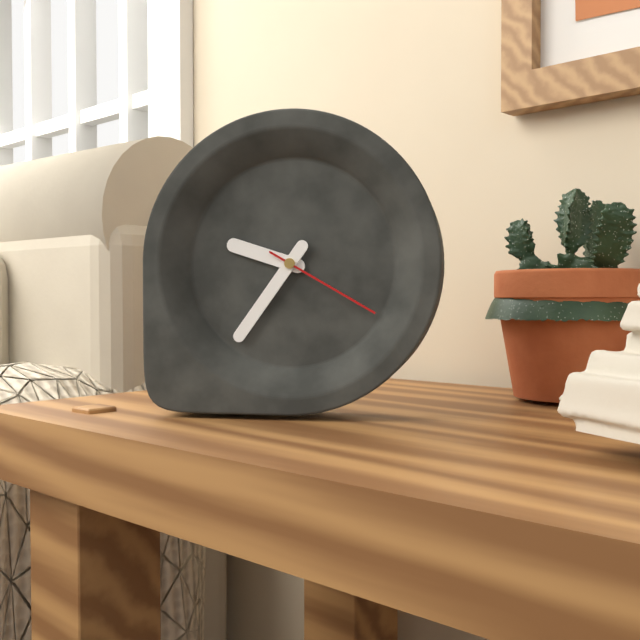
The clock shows 9:36:20
